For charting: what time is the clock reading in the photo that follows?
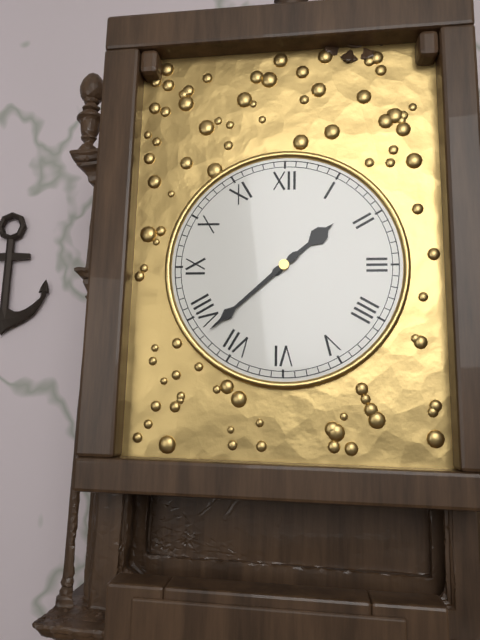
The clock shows 1:38
